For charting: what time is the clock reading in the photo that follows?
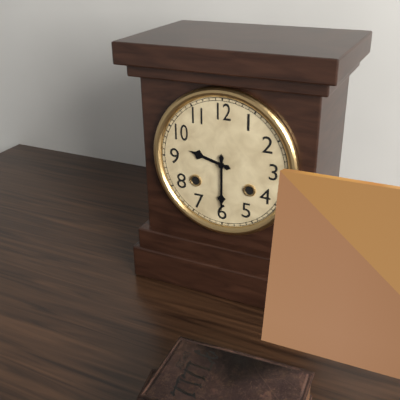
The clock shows 9:30
